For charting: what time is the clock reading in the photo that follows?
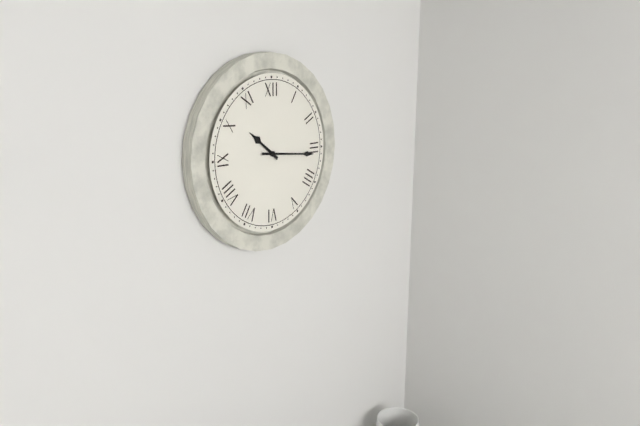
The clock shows 10:16
